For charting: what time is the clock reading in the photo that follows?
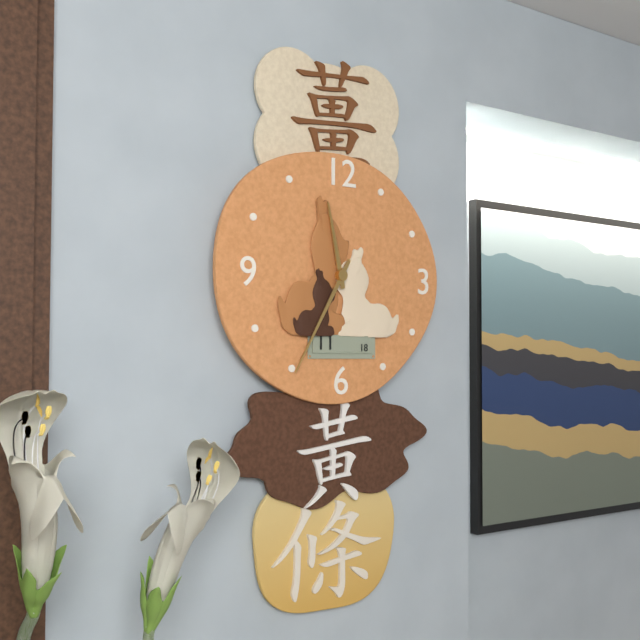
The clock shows 11:35
